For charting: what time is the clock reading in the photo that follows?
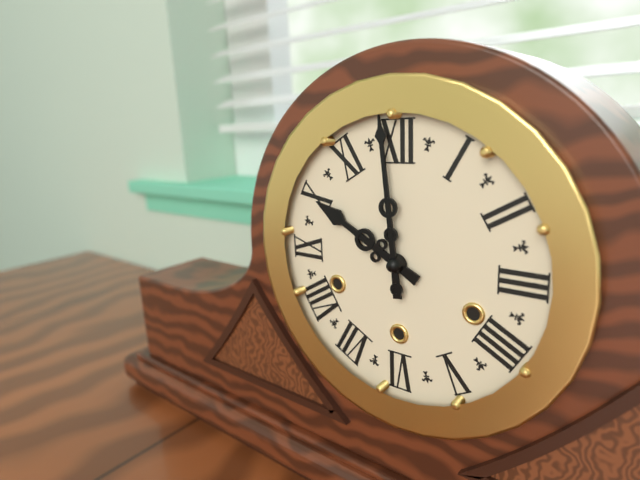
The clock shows 9:59
